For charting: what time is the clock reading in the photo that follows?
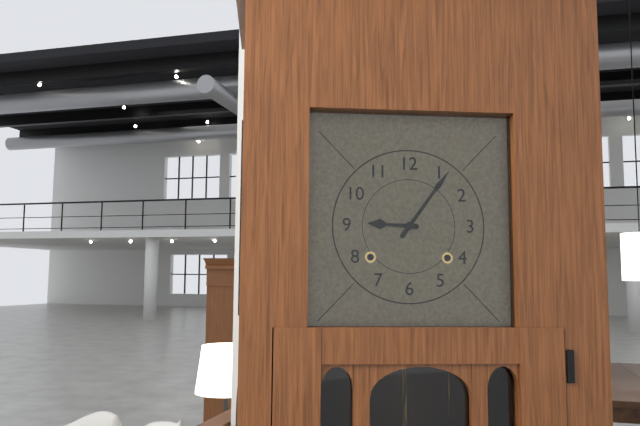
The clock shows 9:06
